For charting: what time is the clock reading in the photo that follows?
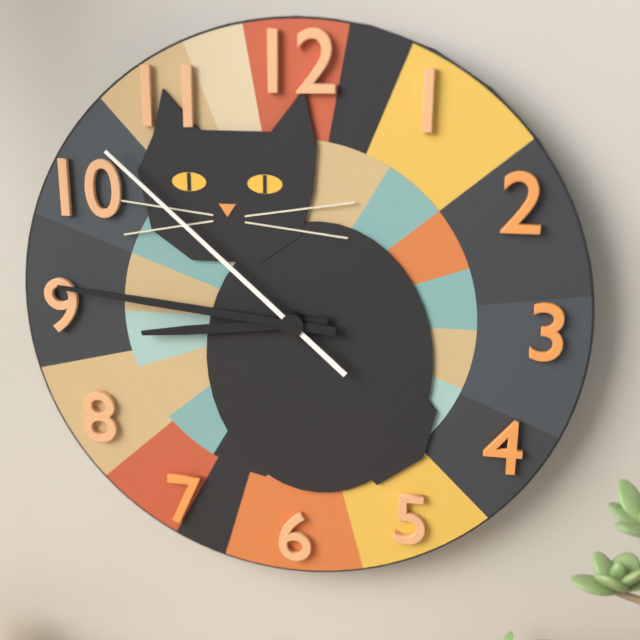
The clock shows 8:46:52
